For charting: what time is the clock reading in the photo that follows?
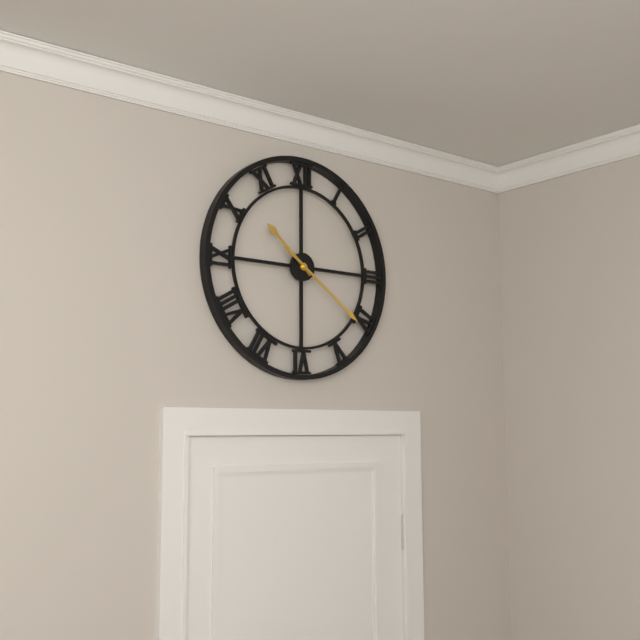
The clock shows 10:21
